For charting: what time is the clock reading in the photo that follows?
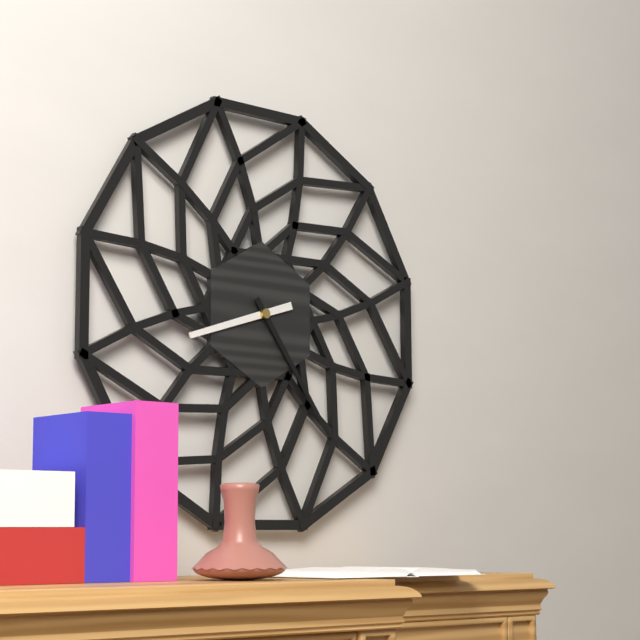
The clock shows 8:24
